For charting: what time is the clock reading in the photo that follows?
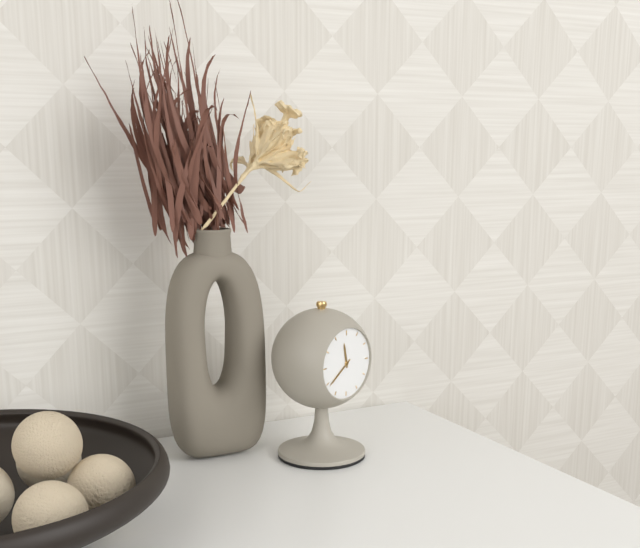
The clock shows 11:39
